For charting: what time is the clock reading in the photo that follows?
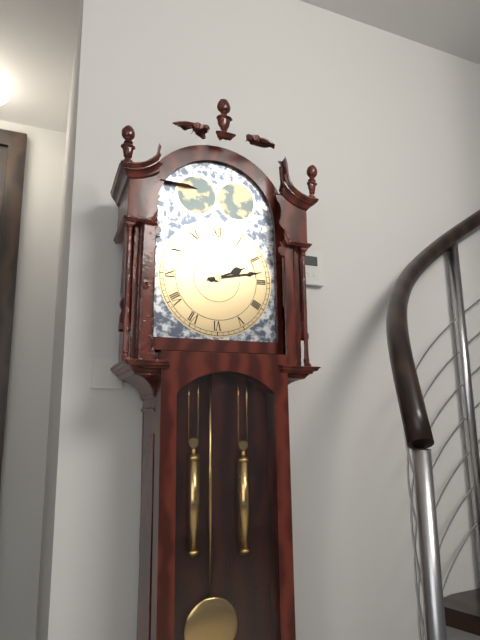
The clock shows 2:13
